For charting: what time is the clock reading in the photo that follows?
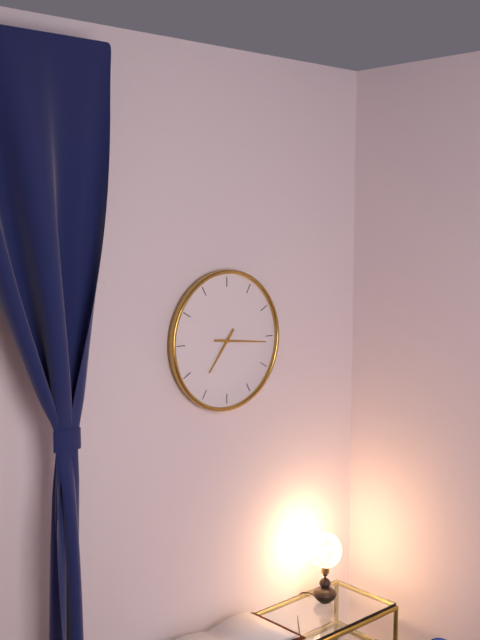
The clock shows 7:16
